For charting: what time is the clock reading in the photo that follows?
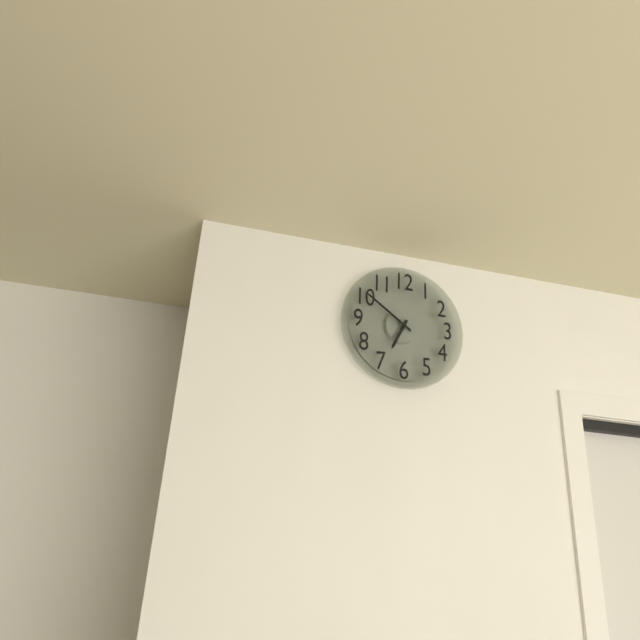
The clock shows 6:51
